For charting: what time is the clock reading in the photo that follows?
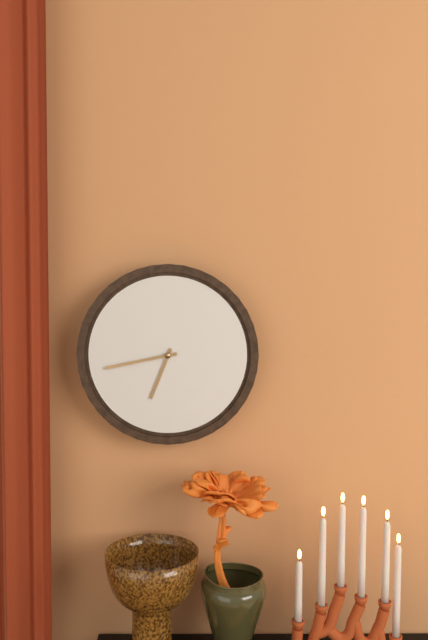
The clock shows 6:43
